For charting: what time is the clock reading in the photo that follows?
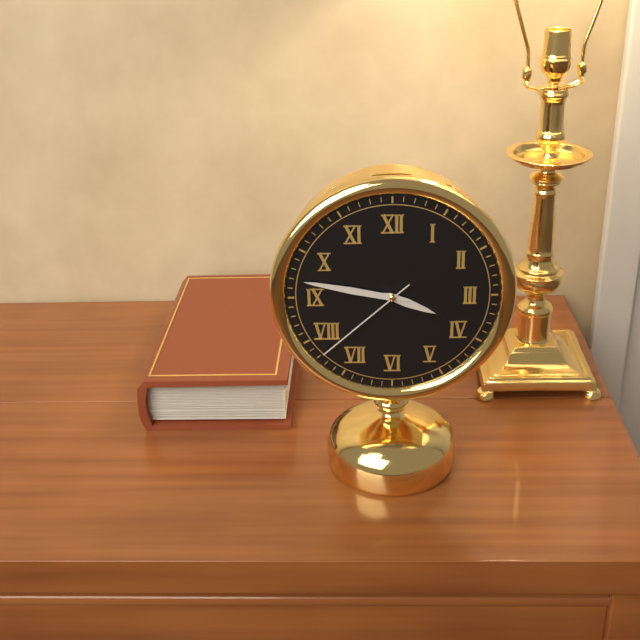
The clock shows 3:47:38
